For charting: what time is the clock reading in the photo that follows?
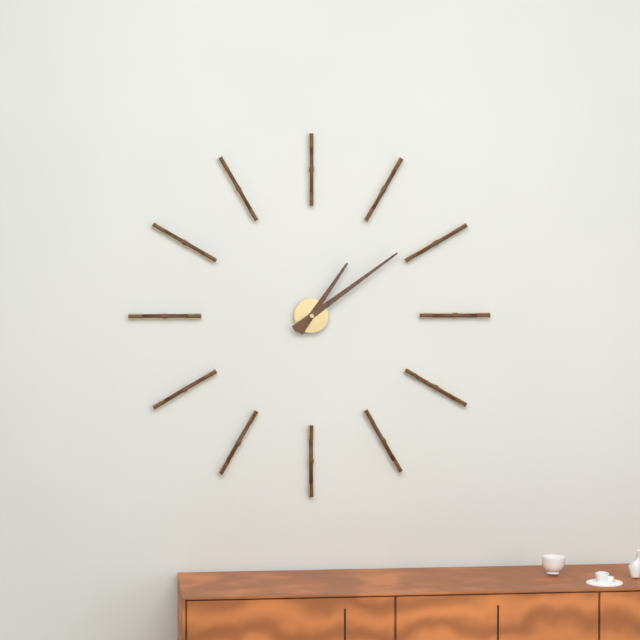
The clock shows 1:09
